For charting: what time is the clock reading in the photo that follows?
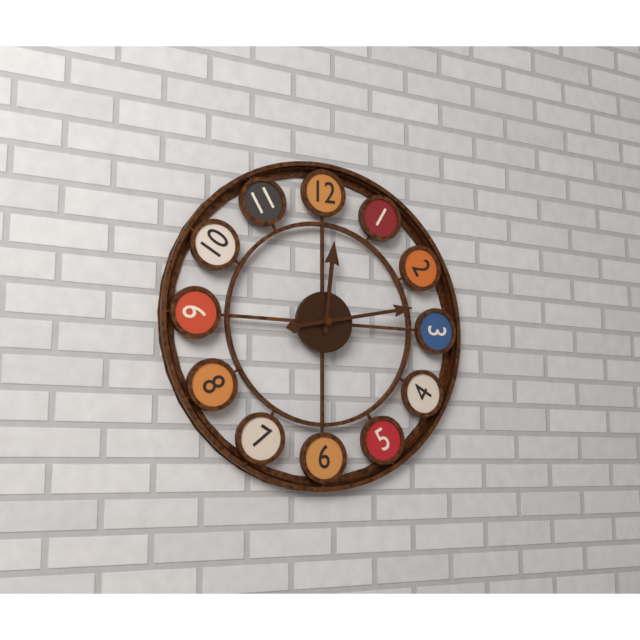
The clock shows 12:13
